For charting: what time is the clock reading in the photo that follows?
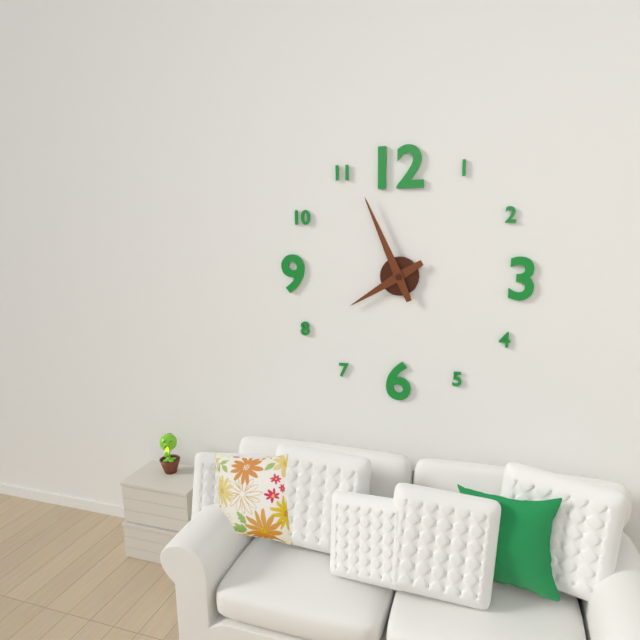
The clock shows 7:56
